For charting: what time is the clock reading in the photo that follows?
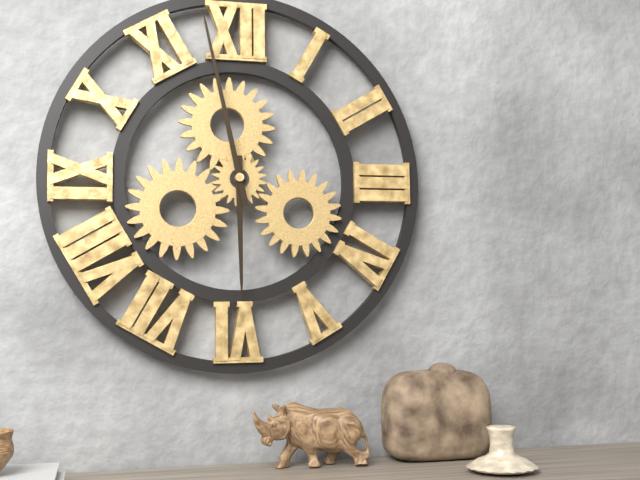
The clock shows 5:58
